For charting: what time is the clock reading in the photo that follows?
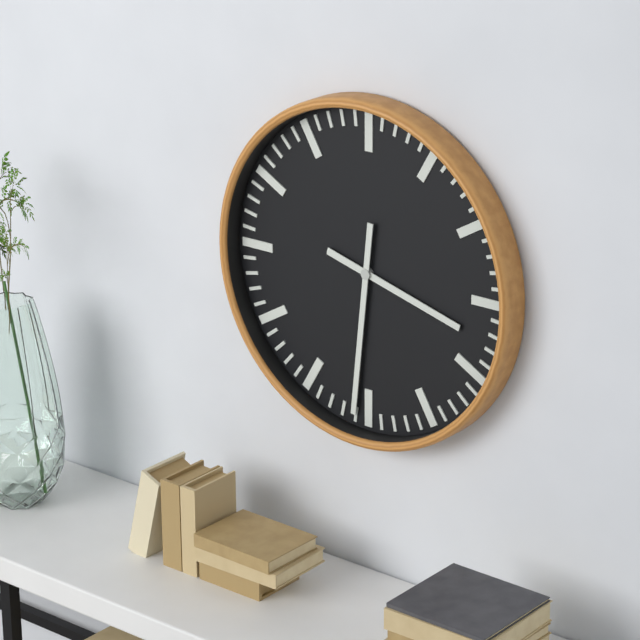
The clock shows 3:31
